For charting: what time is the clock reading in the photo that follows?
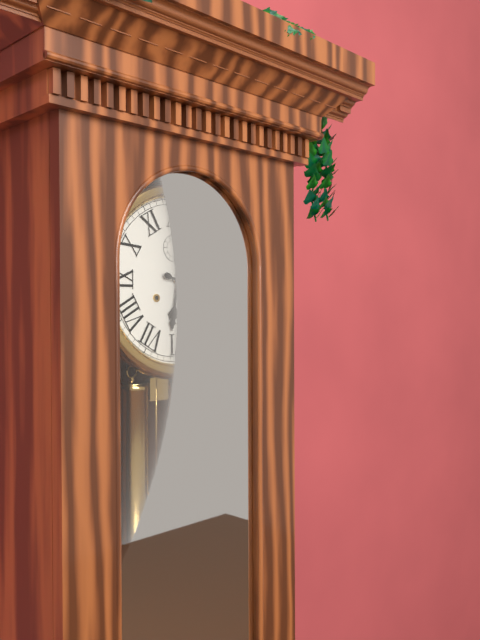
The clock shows 6:18
